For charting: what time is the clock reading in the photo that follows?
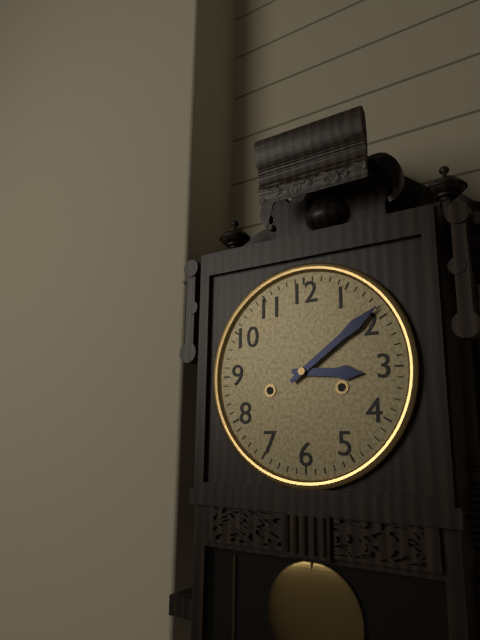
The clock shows 3:09
